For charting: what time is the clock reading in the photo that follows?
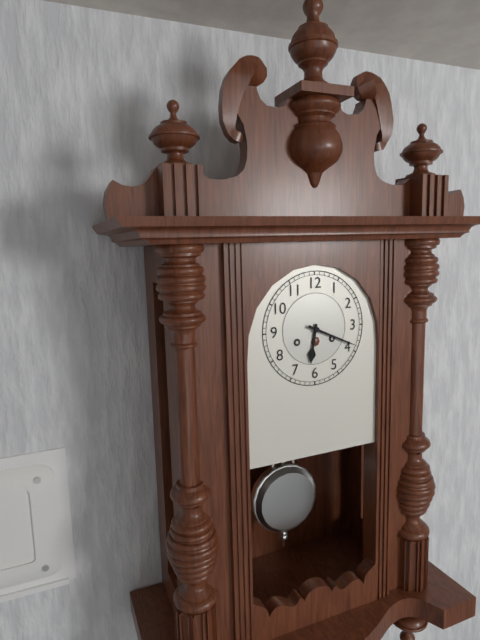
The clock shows 6:19
